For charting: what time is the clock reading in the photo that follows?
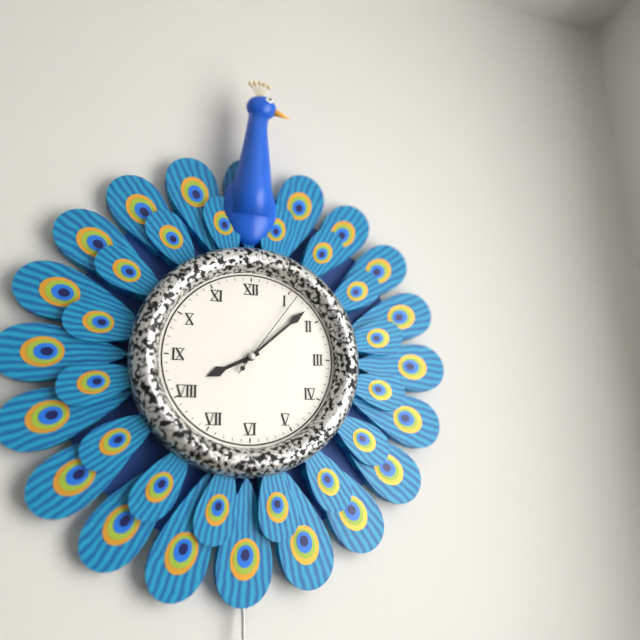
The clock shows 8:08:06
